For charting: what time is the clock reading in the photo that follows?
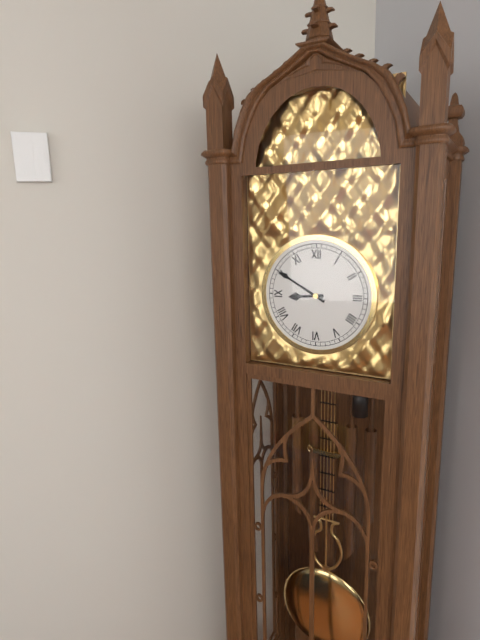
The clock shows 8:50
